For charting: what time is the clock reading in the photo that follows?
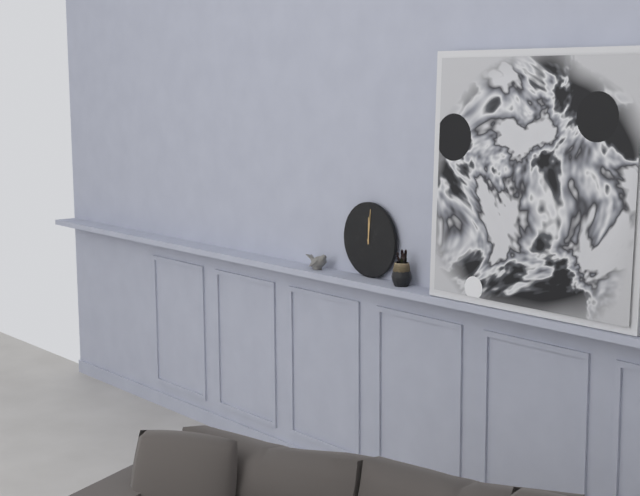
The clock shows 12:01
